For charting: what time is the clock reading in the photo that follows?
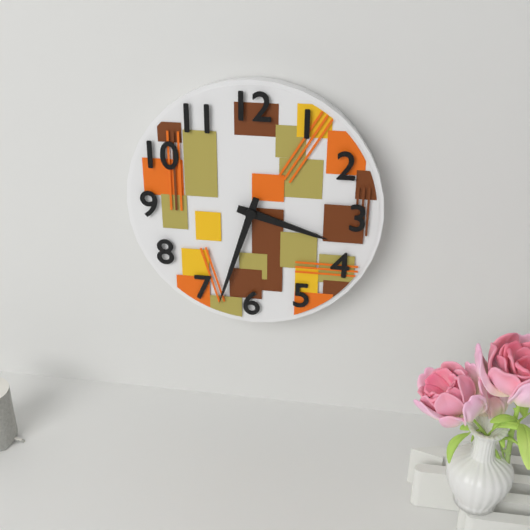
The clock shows 3:33
